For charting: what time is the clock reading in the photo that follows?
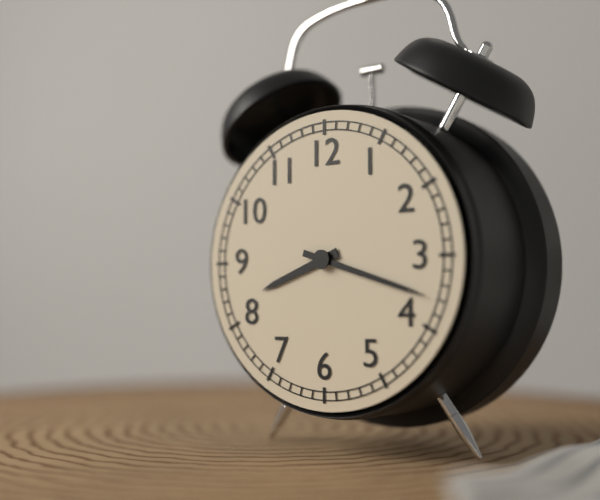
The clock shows 8:18
